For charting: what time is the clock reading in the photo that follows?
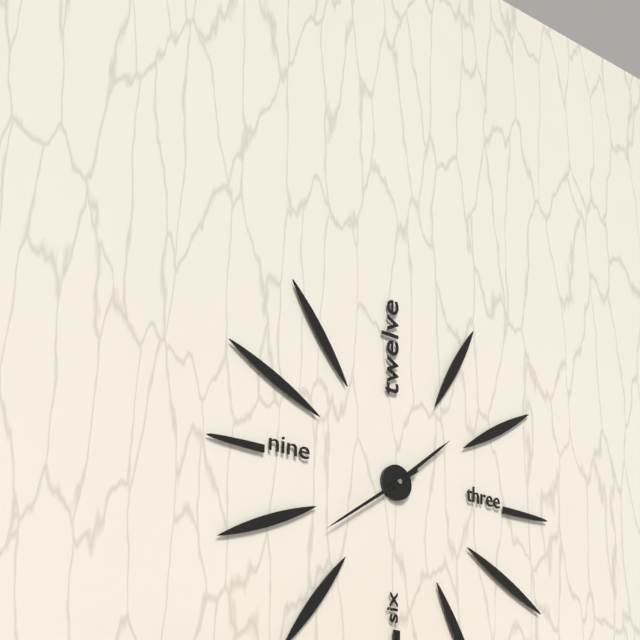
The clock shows 1:39
